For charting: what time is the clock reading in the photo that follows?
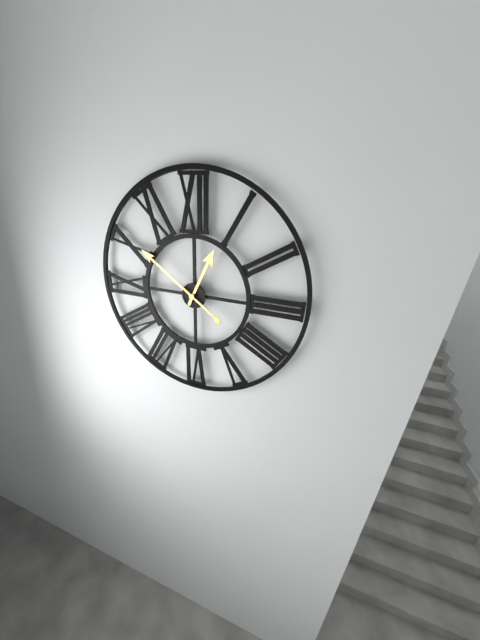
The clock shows 12:51
